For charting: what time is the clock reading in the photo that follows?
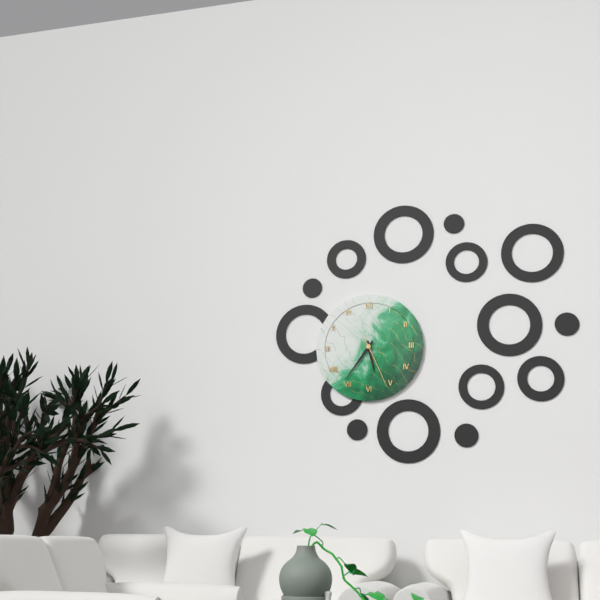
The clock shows 5:36:26
